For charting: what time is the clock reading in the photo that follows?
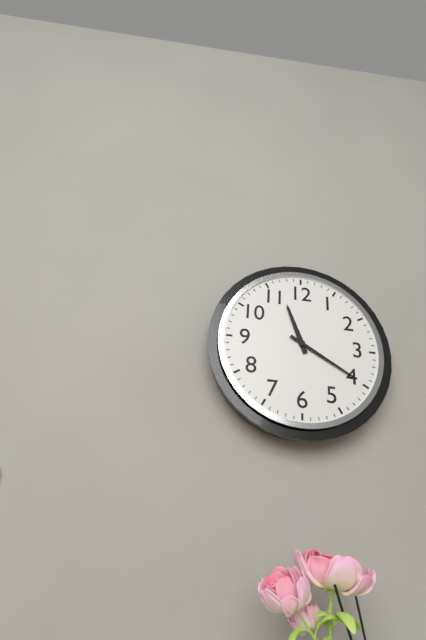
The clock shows 11:20
